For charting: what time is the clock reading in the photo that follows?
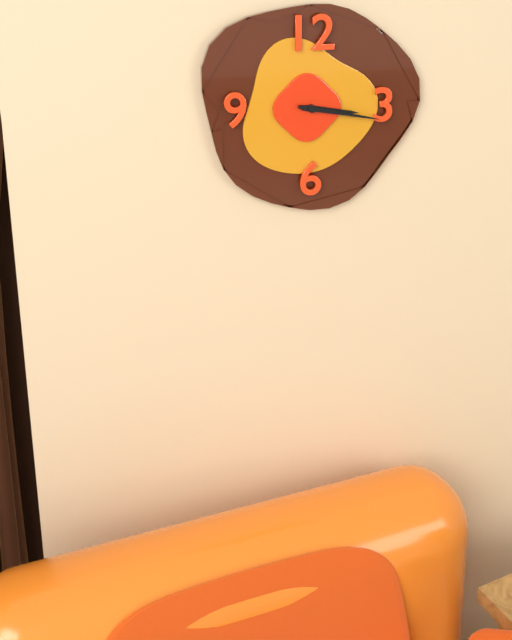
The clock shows 3:17
